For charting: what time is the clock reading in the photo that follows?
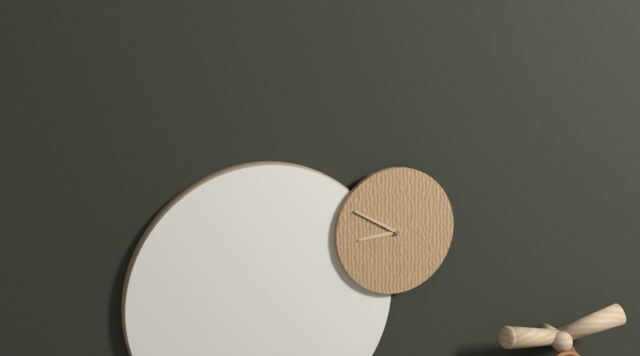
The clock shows 8:50
